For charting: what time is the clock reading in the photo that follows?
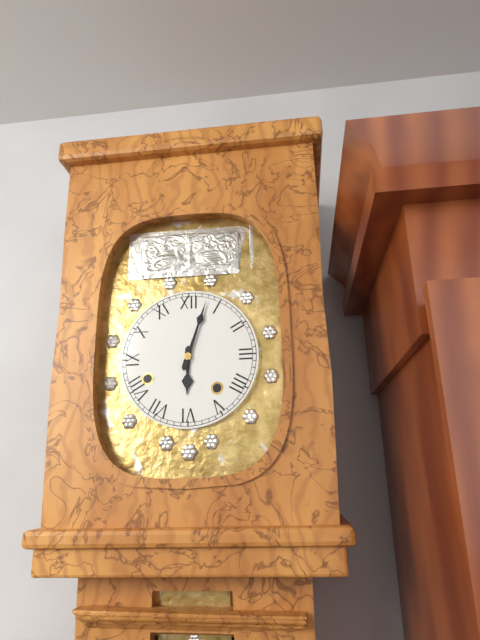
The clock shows 6:03
